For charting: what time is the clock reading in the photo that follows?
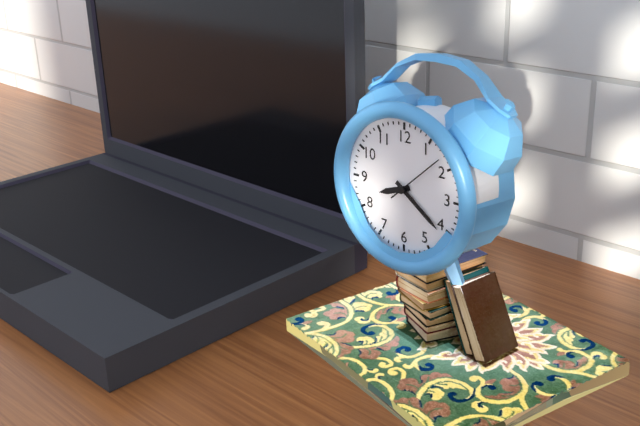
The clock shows 8:21:08
